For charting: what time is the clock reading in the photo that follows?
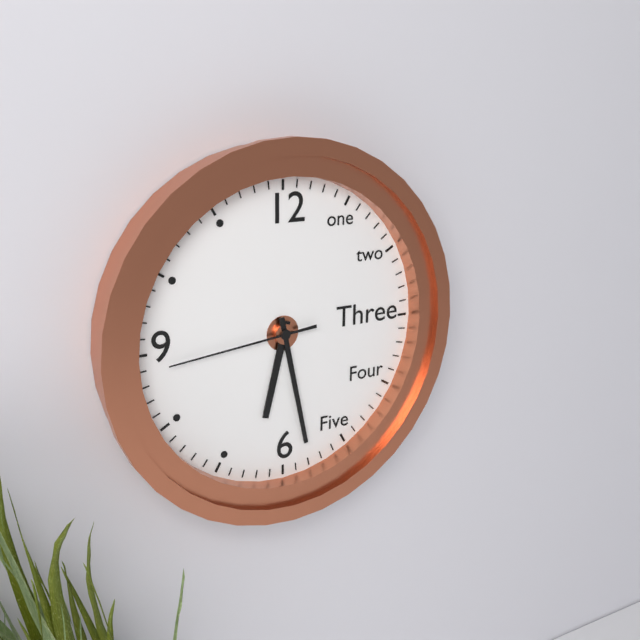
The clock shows 6:28:44
